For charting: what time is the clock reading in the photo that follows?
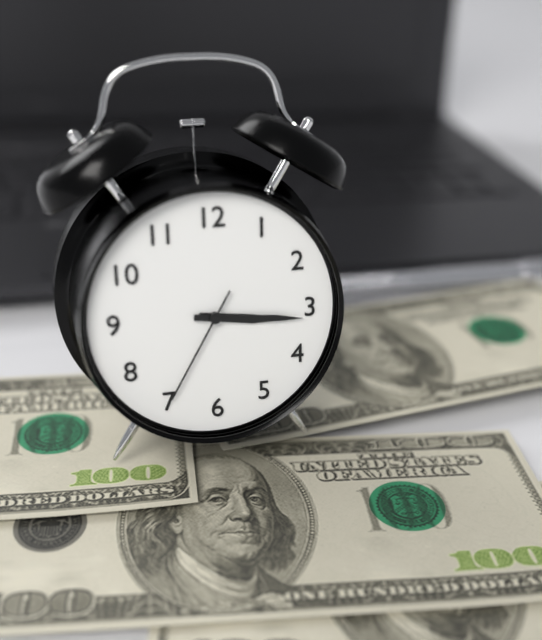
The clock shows 3:16:35
